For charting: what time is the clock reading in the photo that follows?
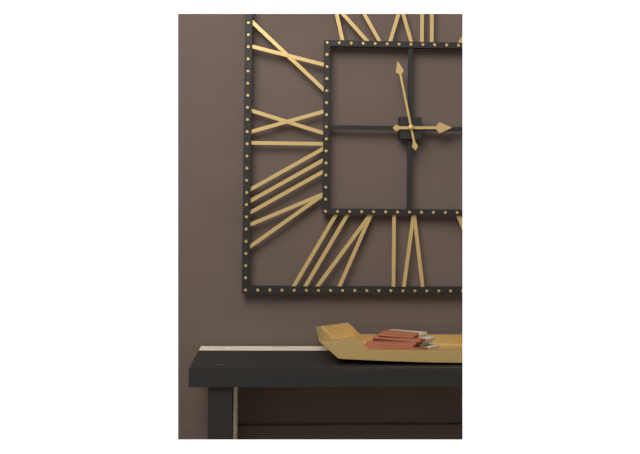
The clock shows 2:58
